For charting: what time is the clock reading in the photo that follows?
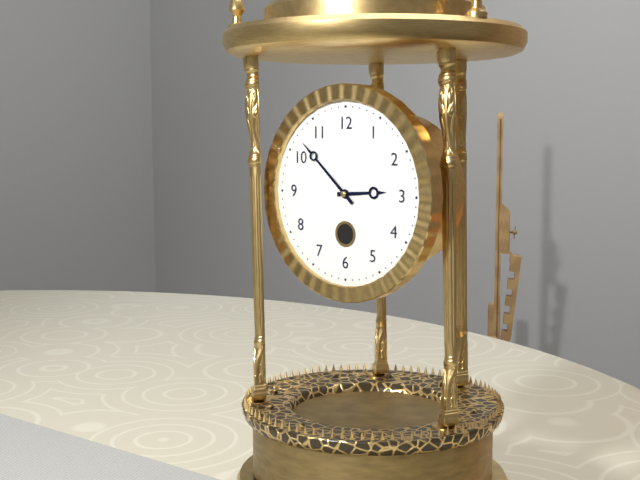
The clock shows 2:52
